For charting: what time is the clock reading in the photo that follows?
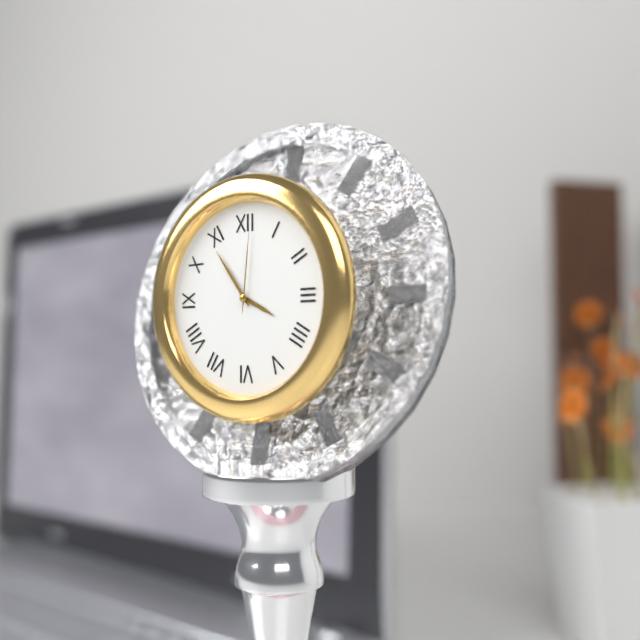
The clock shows 3:54:01
